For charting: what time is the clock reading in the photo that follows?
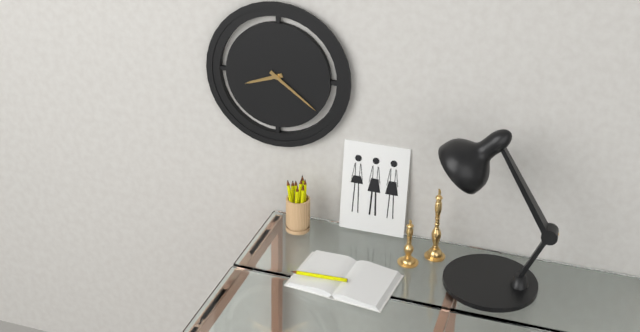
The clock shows 8:21
